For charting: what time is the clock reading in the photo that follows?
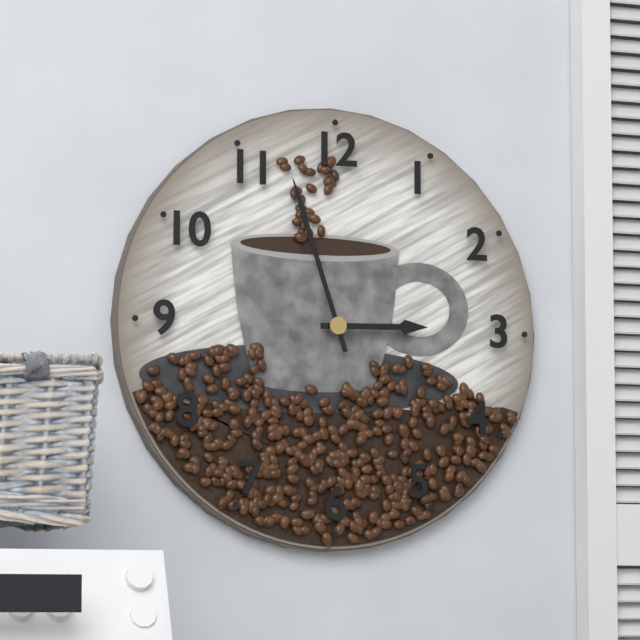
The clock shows 2:57
